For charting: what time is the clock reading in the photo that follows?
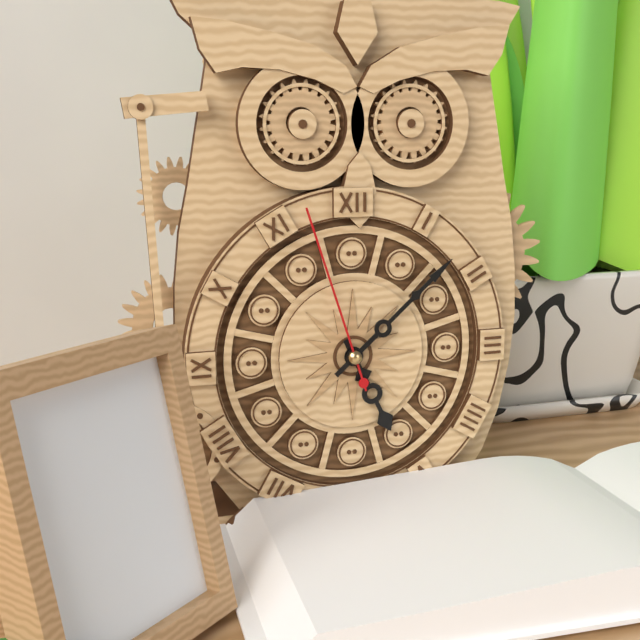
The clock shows 5:08:57
